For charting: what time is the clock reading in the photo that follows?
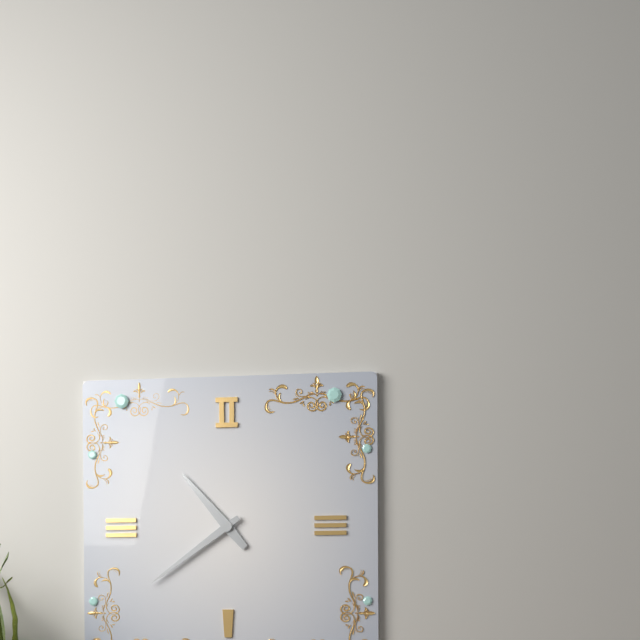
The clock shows 10:39
